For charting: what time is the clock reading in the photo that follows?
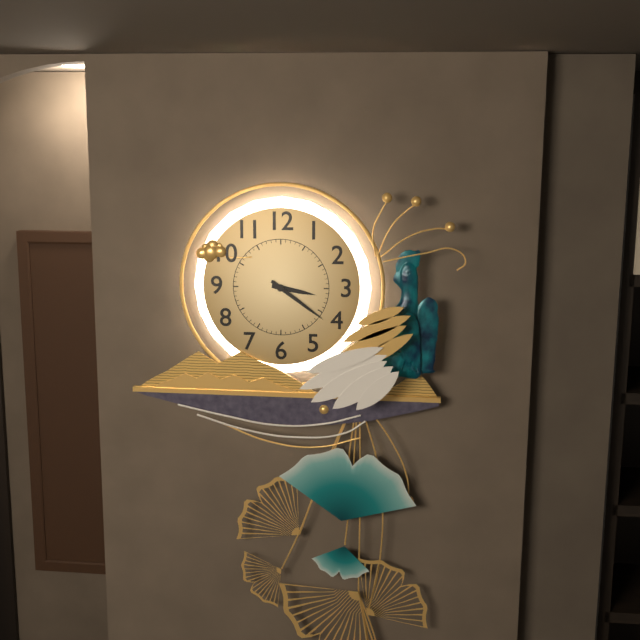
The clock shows 3:21
